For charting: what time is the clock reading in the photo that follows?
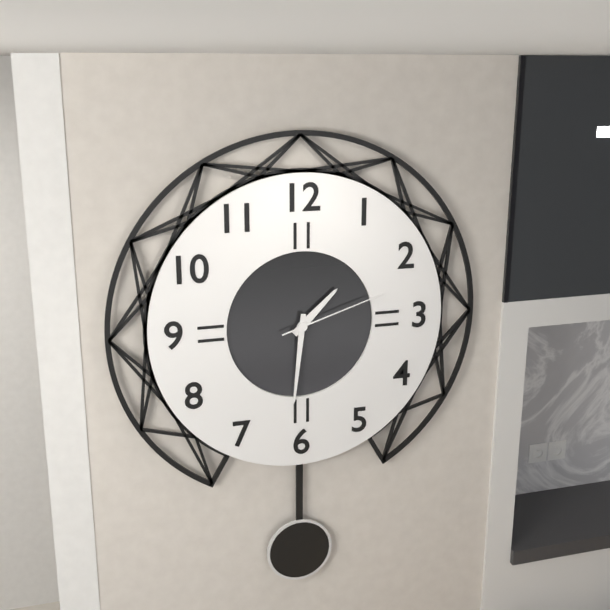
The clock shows 1:31:12
